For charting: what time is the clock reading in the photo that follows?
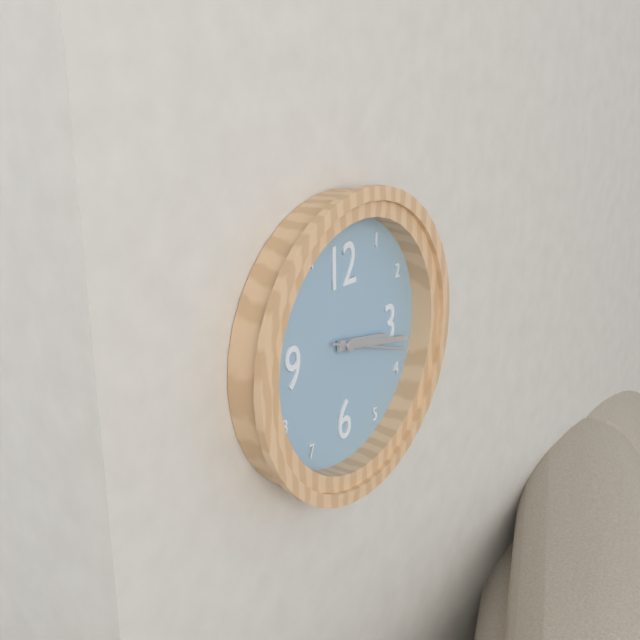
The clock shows 3:17:18
